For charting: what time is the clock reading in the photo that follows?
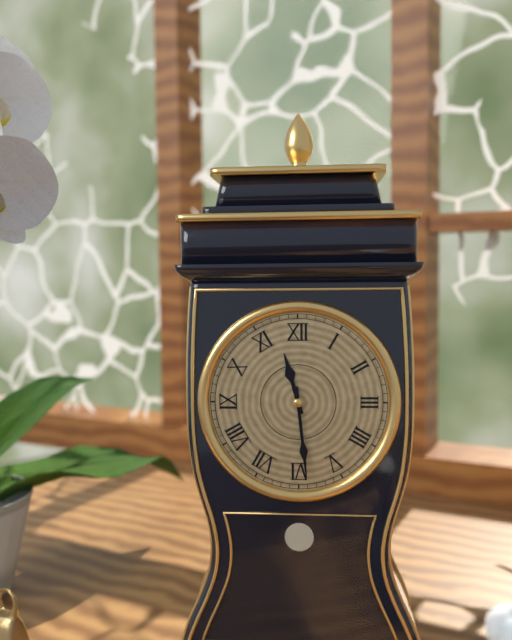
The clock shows 11:29
